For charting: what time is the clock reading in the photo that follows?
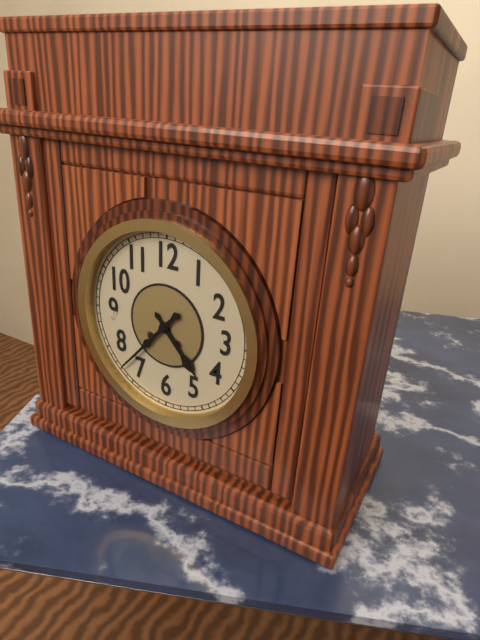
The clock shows 4:37
